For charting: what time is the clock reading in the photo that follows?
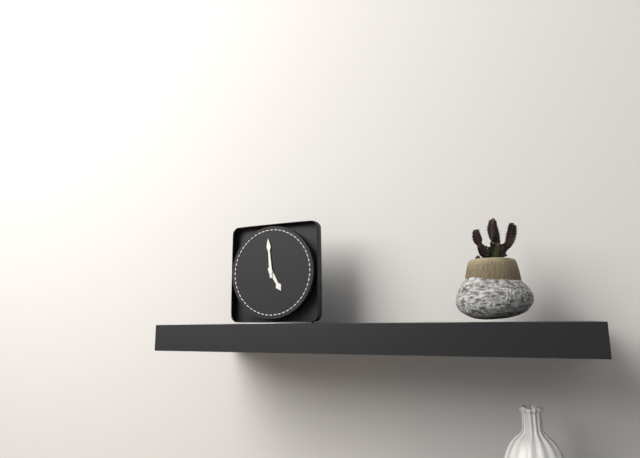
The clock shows 4:59
